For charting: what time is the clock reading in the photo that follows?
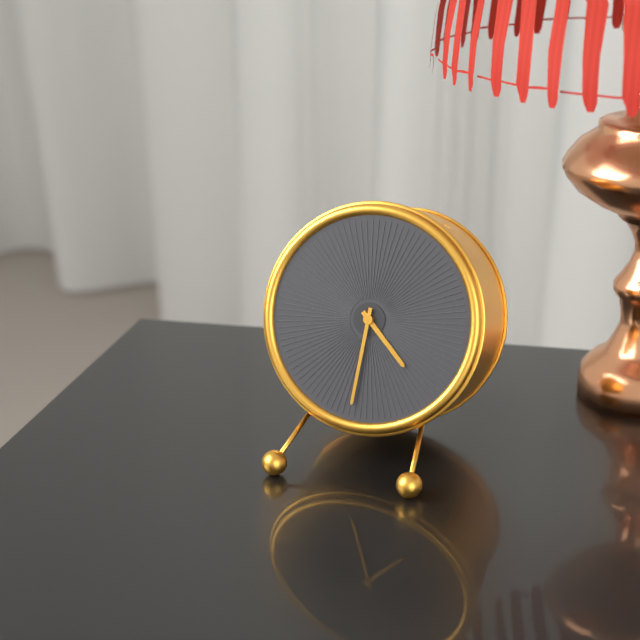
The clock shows 4:31
